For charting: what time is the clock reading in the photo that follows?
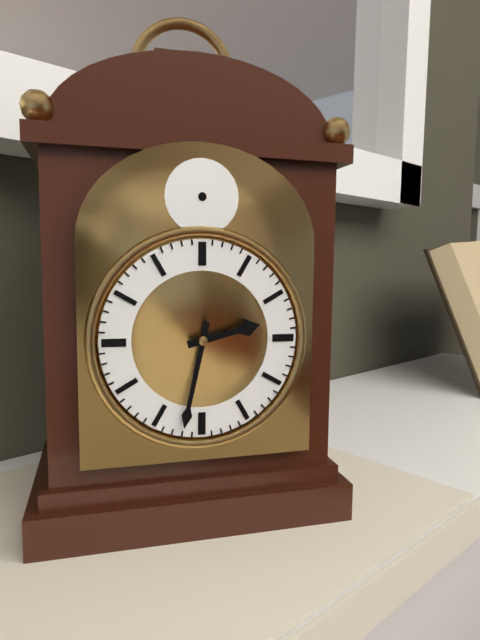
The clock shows 2:32
